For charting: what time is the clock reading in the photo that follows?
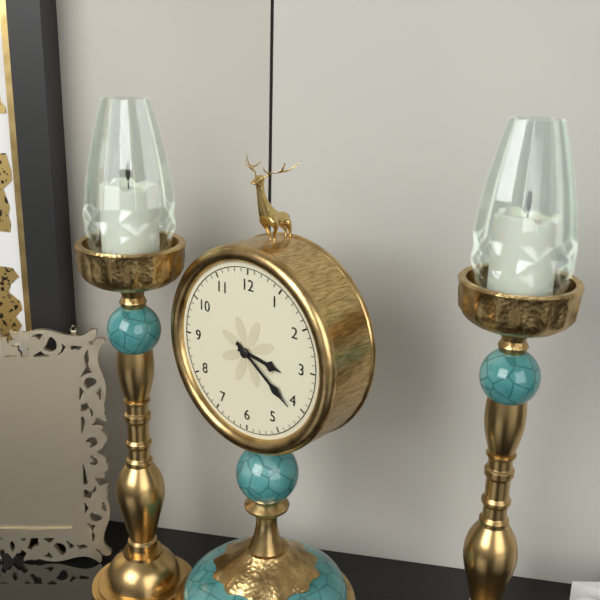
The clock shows 3:21
